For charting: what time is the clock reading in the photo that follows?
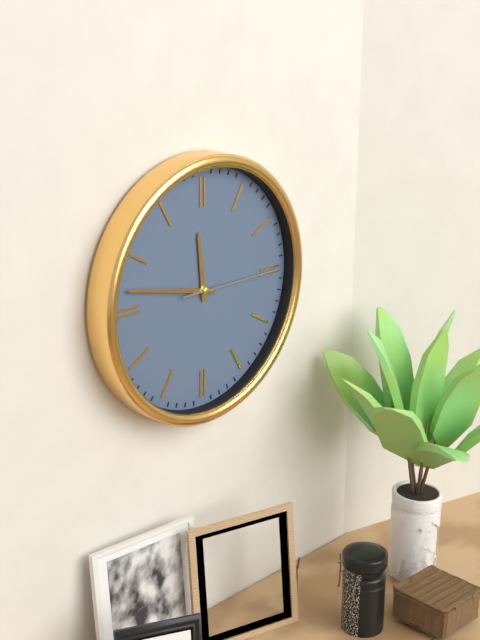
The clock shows 11:47:15
